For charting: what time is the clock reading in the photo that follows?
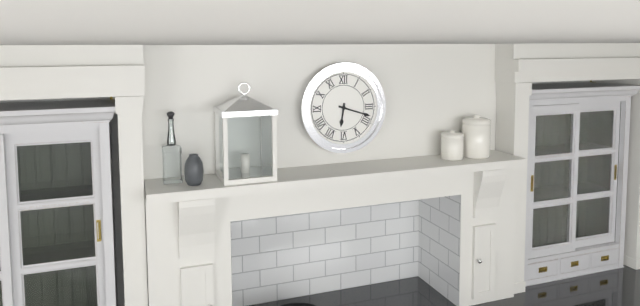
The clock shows 6:18
